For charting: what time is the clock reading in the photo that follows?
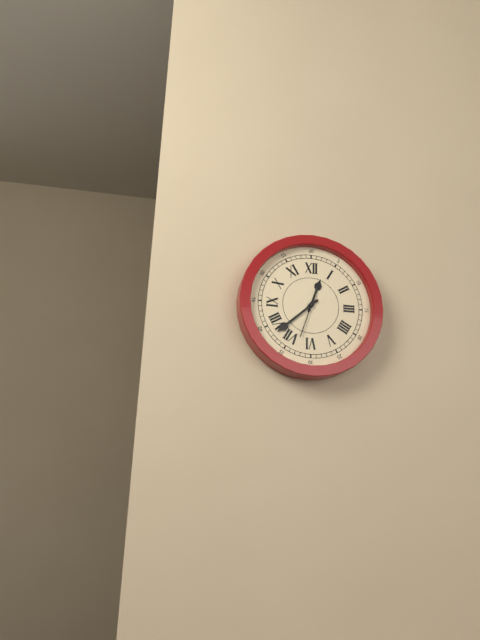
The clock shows 12:38
